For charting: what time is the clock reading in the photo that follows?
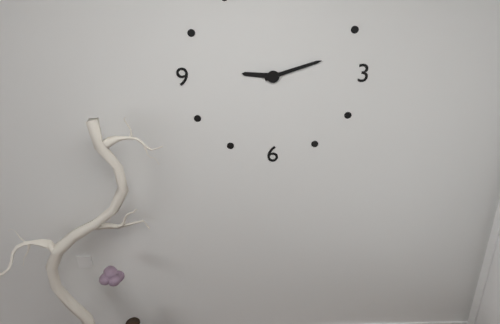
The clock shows 9:12
